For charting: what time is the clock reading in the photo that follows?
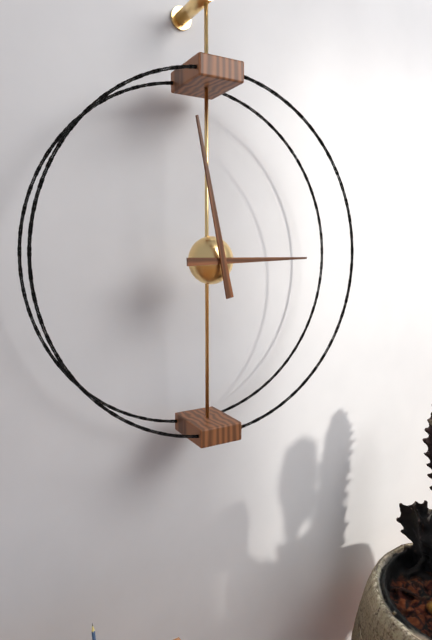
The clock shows 2:58
